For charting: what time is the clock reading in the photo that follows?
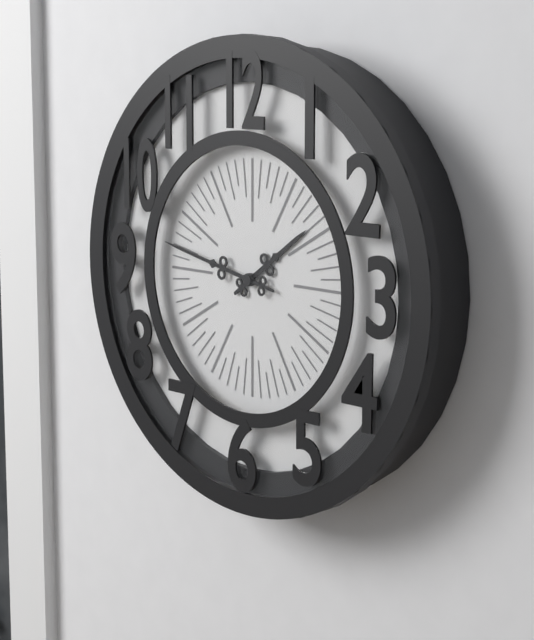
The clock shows 1:47
